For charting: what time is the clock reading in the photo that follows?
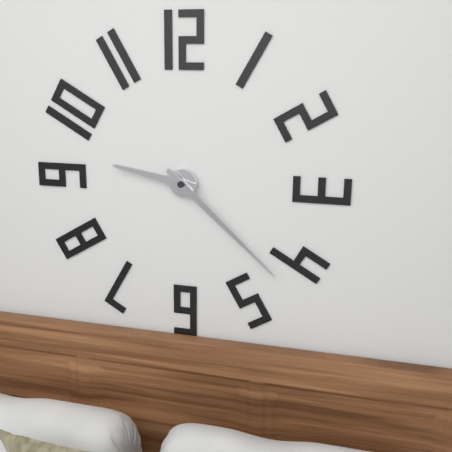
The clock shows 9:22
